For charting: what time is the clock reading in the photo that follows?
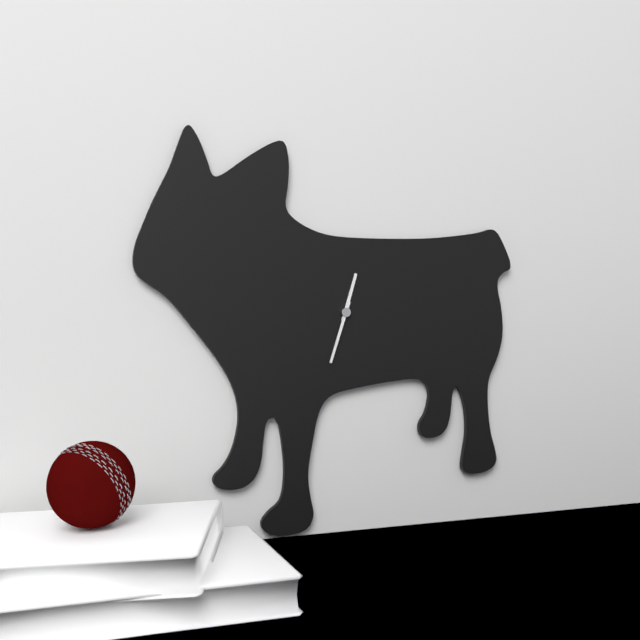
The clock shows 12:33
